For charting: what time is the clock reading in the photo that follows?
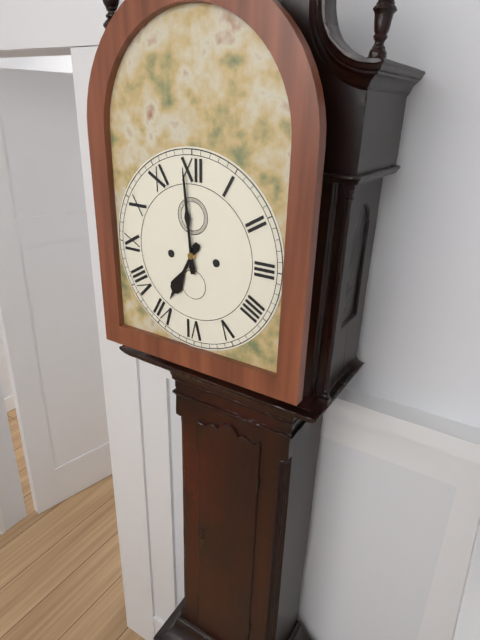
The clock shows 6:59
